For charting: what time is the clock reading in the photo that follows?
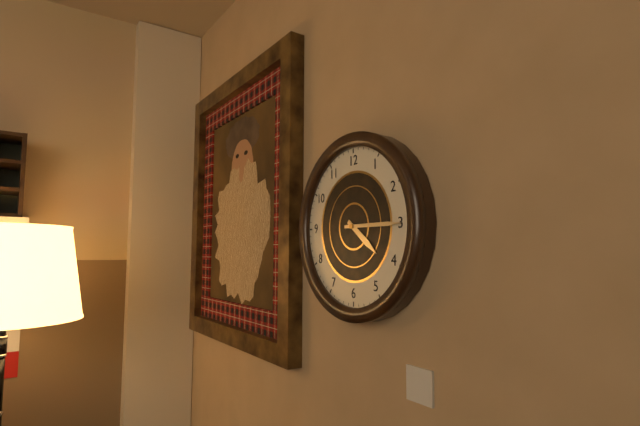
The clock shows 4:15
